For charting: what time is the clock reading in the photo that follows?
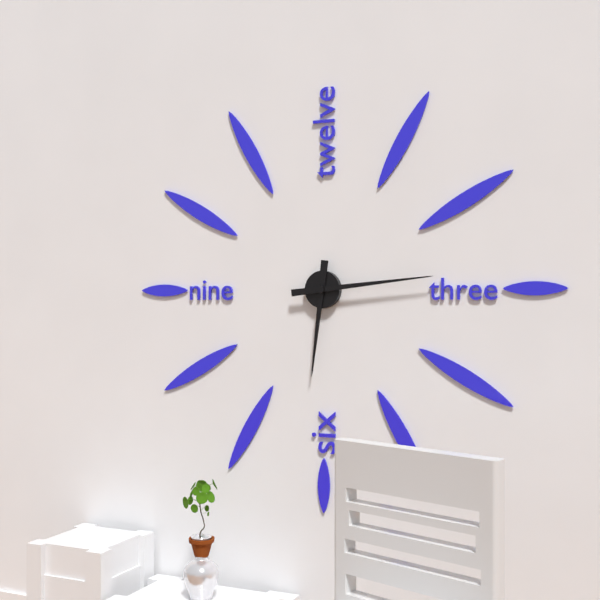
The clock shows 6:14
